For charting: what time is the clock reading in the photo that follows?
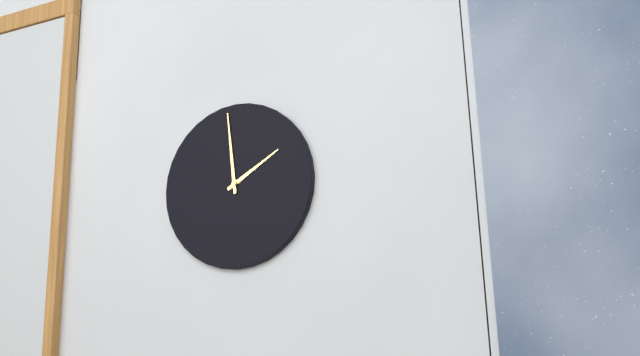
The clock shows 1:59
